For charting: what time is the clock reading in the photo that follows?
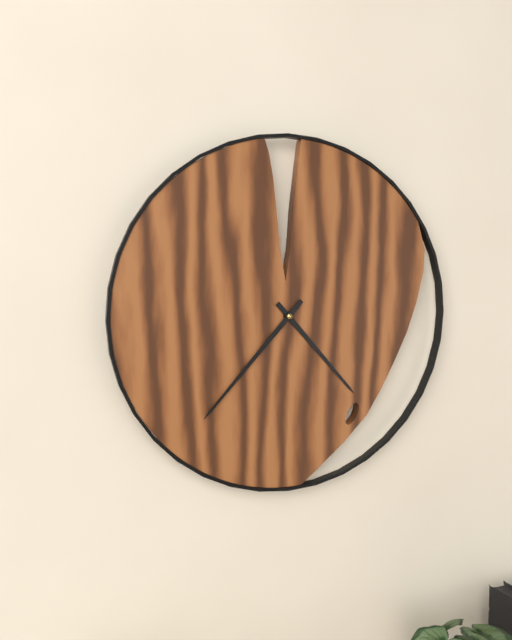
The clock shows 4:37
